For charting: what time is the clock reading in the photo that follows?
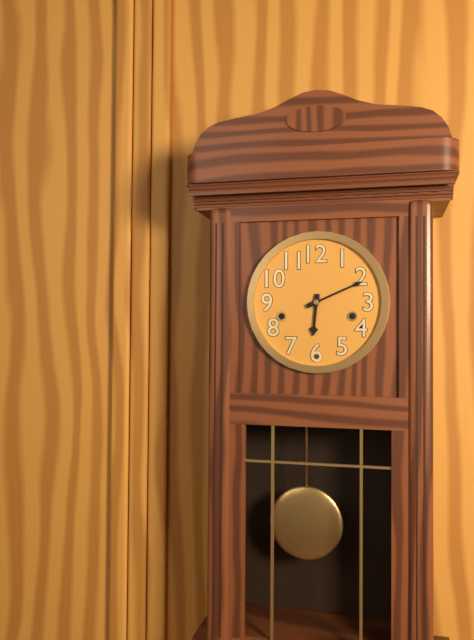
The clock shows 6:11
